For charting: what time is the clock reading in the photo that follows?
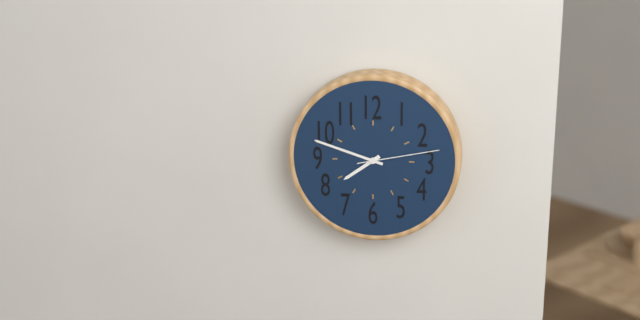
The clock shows 7:48:13
